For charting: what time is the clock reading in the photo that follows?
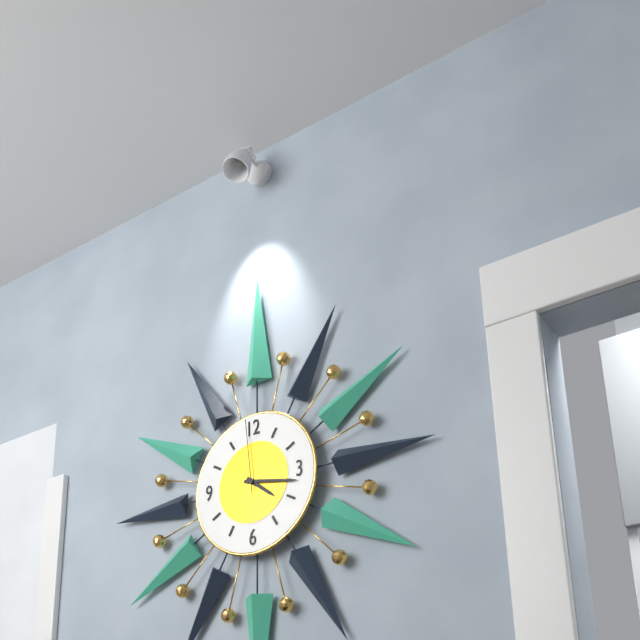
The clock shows 4:17:59
